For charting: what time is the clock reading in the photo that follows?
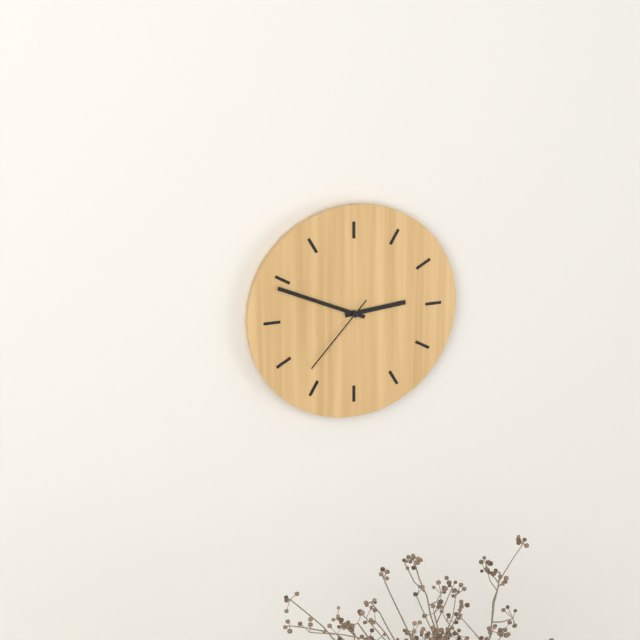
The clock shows 2:49:37
